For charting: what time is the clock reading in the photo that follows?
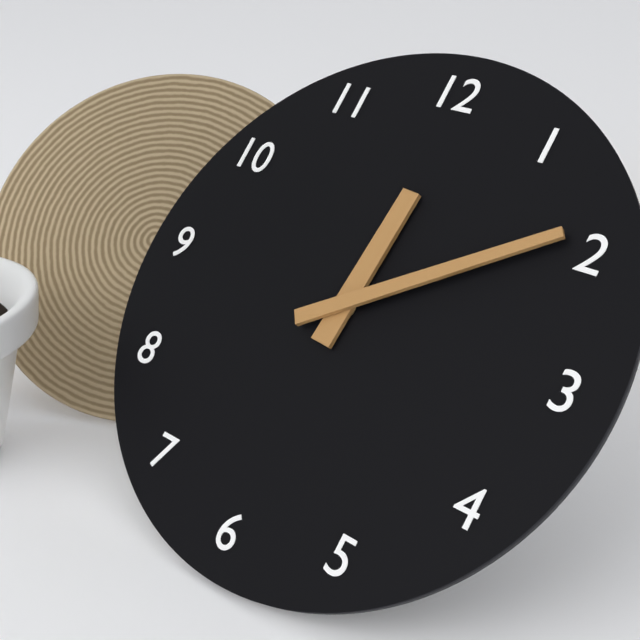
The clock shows 12:09
